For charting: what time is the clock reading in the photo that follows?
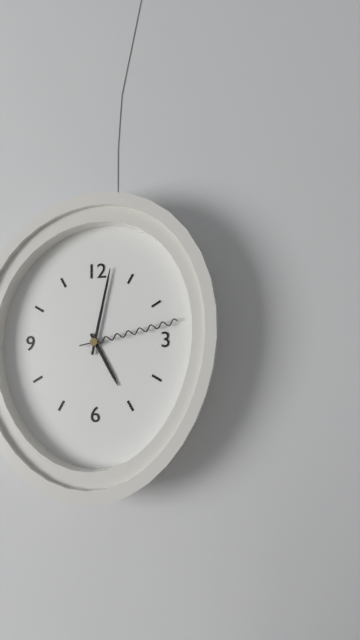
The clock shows 5:02:13
